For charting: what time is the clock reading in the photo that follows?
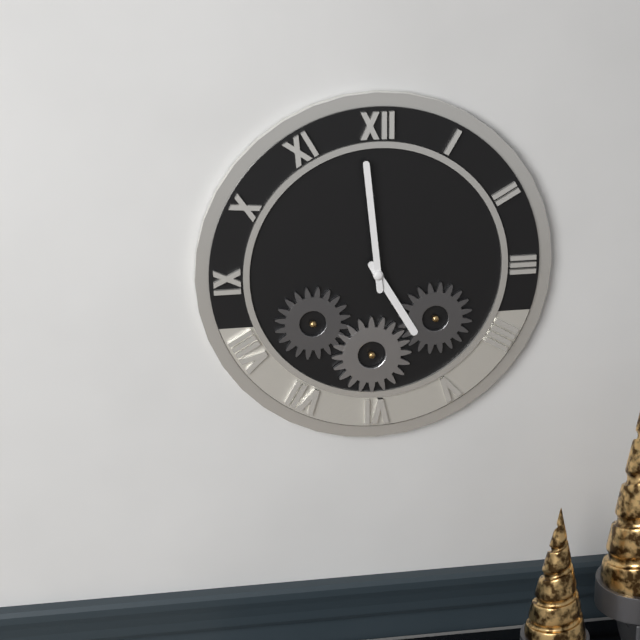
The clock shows 4:59
